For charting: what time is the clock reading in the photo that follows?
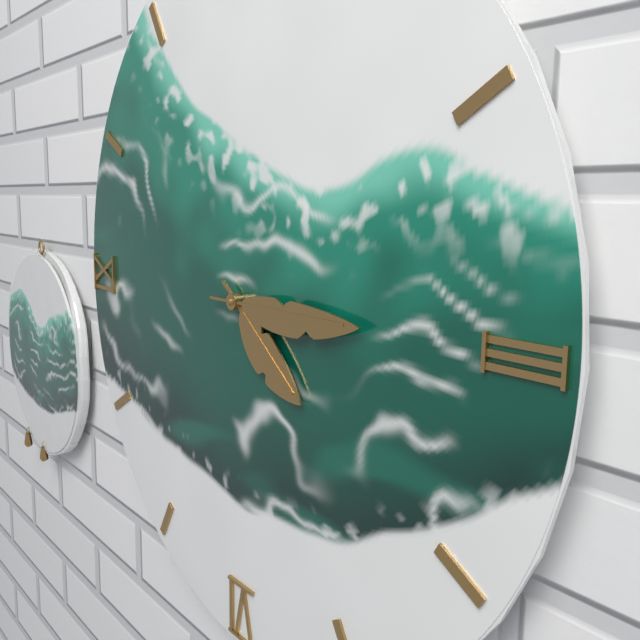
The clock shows 4:15
